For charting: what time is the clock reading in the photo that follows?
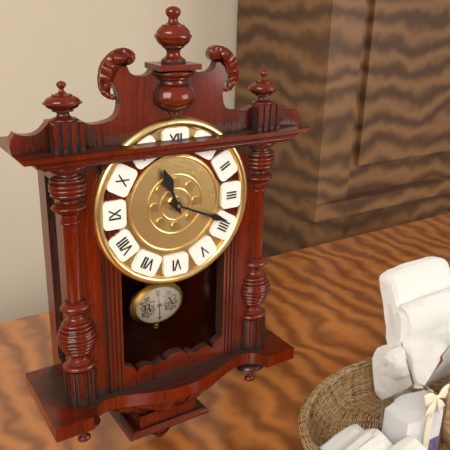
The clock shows 11:19
